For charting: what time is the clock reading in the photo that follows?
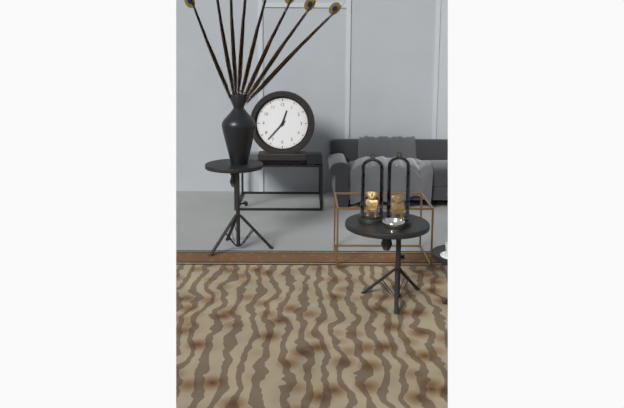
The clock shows 12:37
